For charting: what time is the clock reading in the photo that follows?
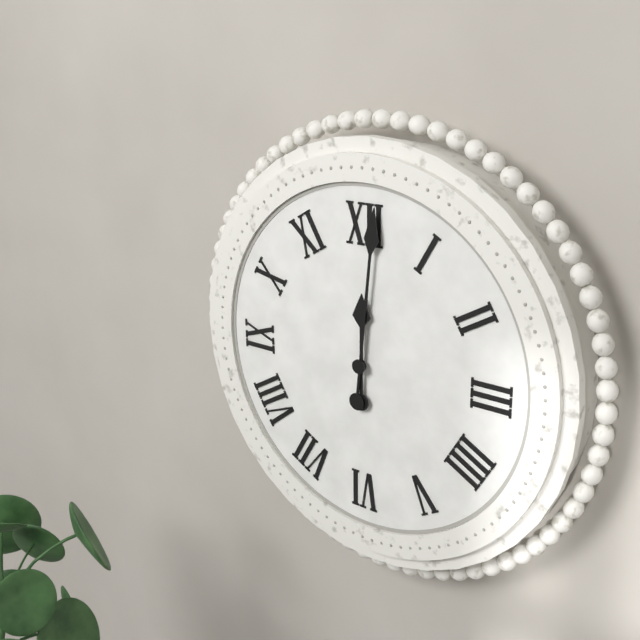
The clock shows 12:01
